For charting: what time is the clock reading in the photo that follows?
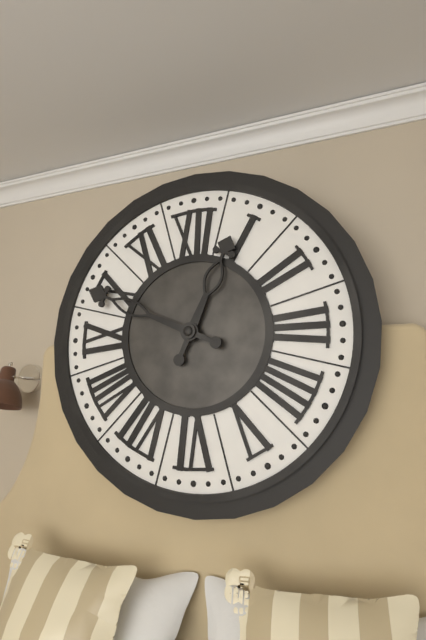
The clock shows 12:49
